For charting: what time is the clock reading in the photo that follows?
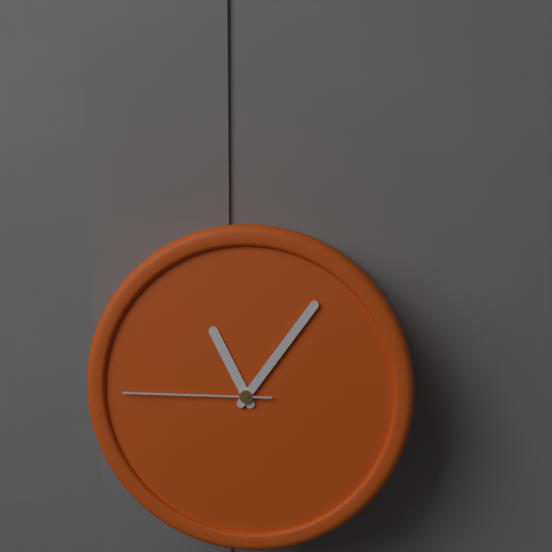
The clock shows 11:06:45
